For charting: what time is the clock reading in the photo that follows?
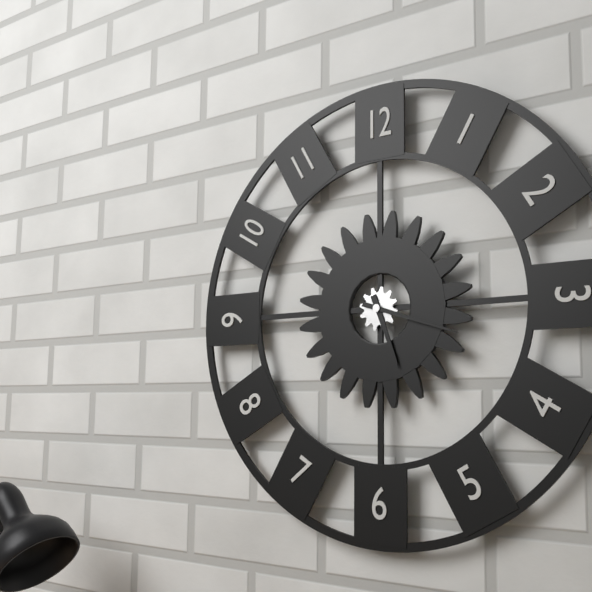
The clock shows 5:18
